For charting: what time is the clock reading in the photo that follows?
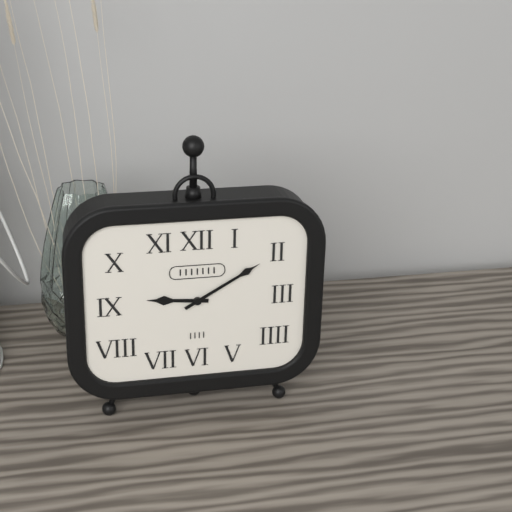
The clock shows 9:10
